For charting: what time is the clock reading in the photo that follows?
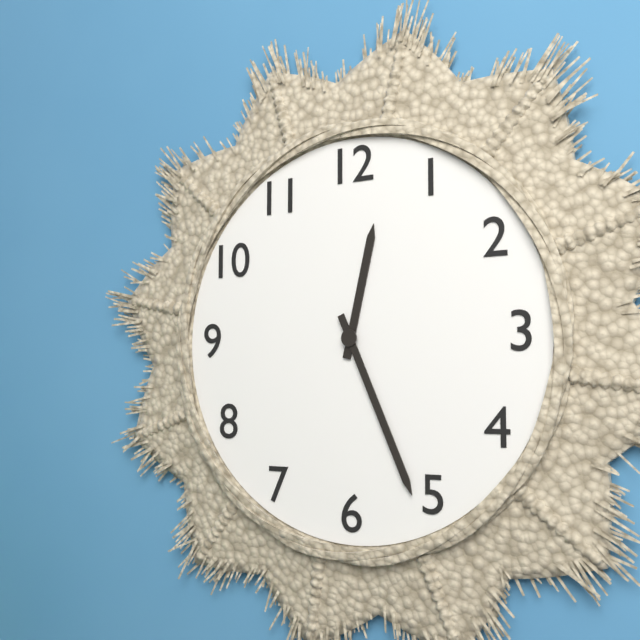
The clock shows 12:26
